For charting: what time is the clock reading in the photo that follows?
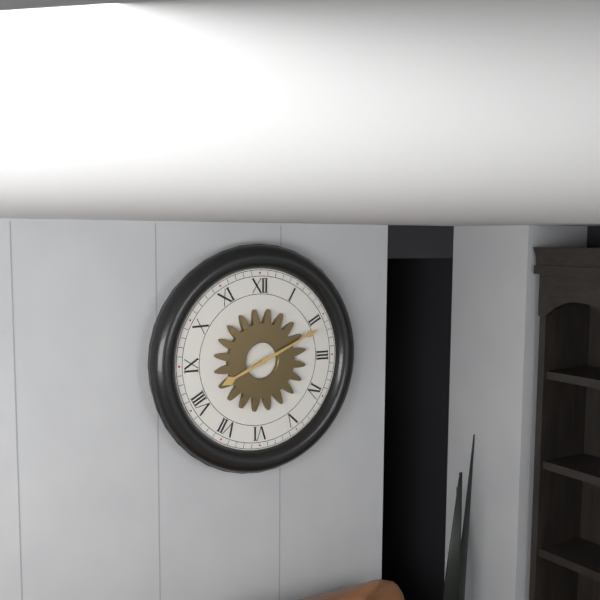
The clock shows 8:11
